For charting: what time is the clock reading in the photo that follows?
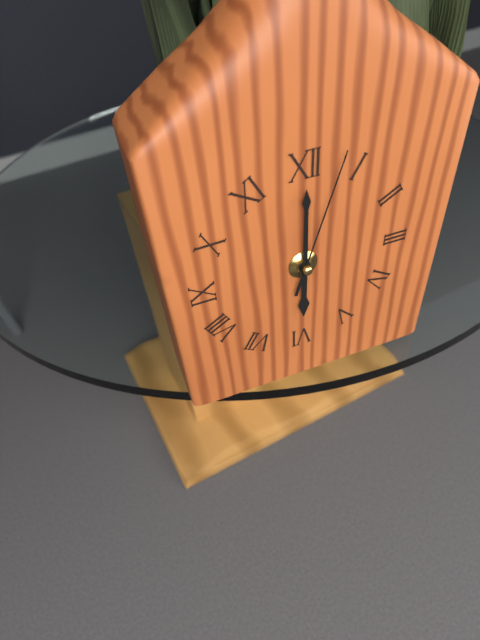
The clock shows 6:00:03
